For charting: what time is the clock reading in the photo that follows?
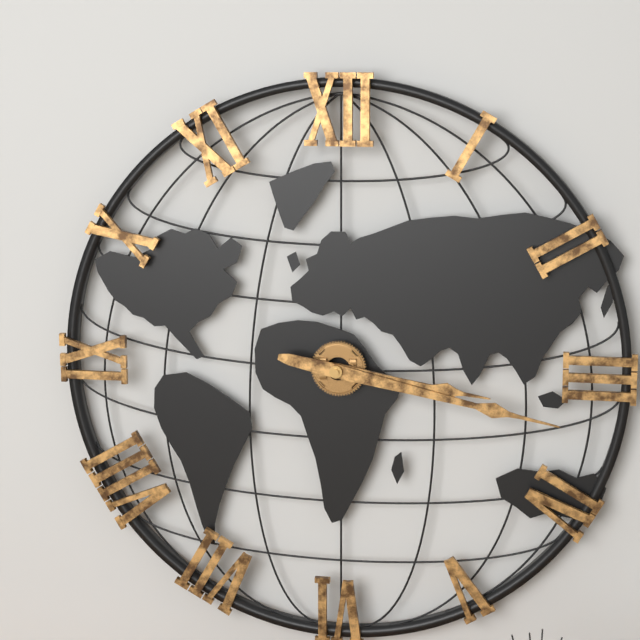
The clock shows 3:17
